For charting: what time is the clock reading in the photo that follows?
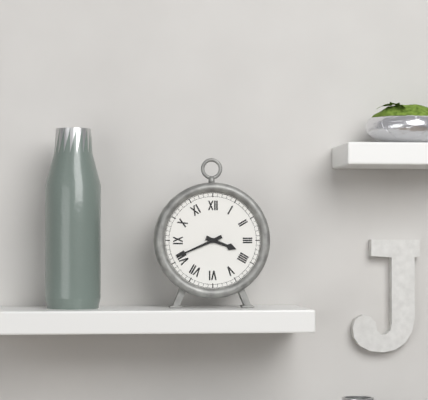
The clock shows 3:41
